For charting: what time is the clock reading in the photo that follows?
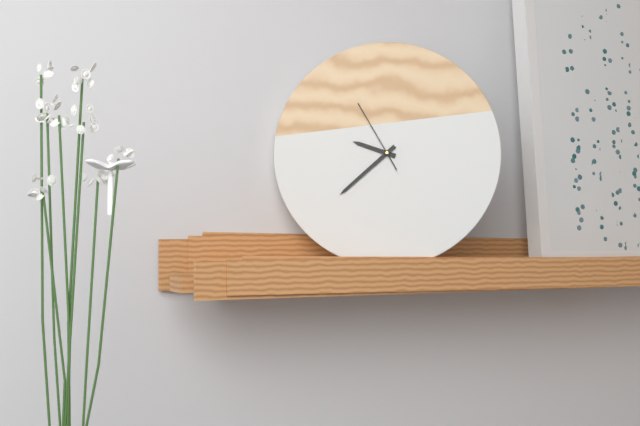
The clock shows 9:38:55
